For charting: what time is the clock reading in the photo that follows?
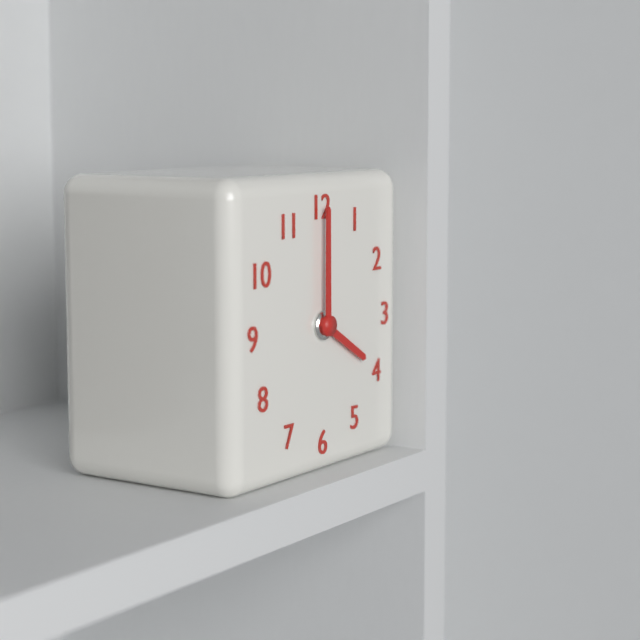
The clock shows 4:00
